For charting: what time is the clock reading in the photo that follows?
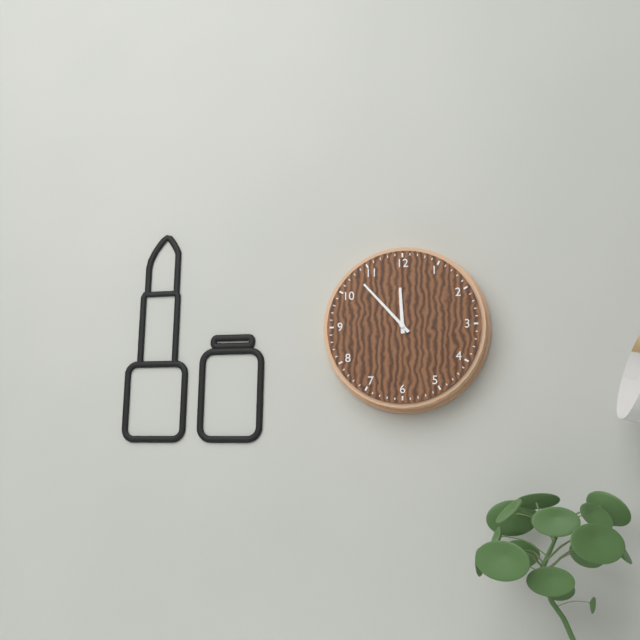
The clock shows 11:53
